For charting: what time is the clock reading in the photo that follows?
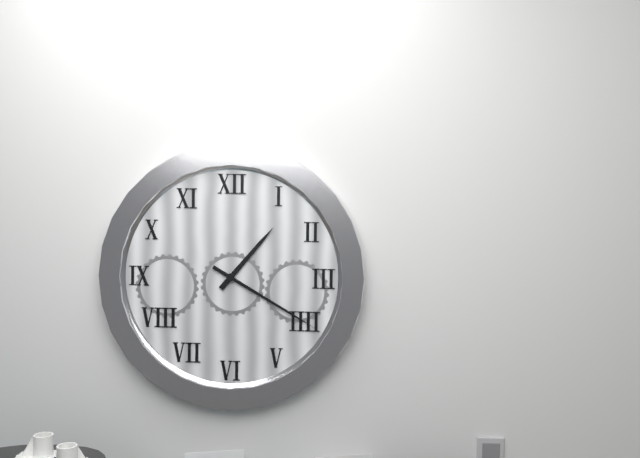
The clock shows 1:20
